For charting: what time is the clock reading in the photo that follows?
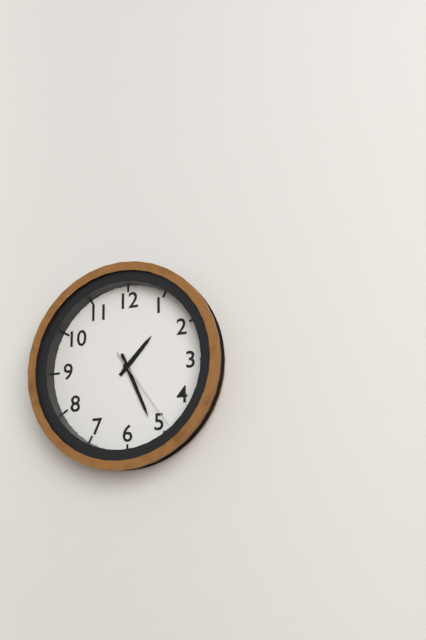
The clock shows 1:26:24
